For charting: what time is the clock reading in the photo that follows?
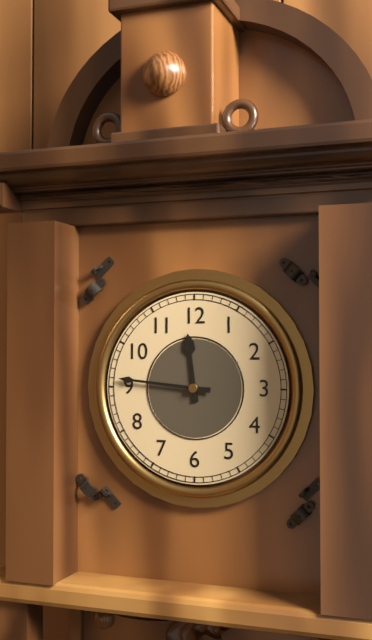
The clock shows 11:46
